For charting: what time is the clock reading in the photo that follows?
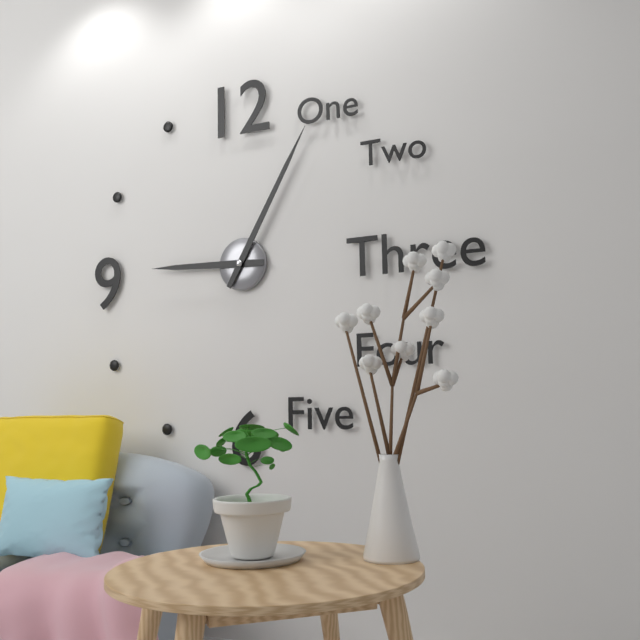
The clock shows 9:05
